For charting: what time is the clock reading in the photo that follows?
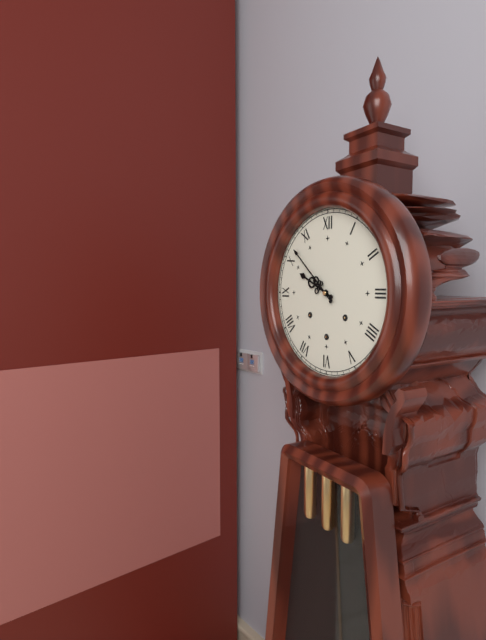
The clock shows 9:52
